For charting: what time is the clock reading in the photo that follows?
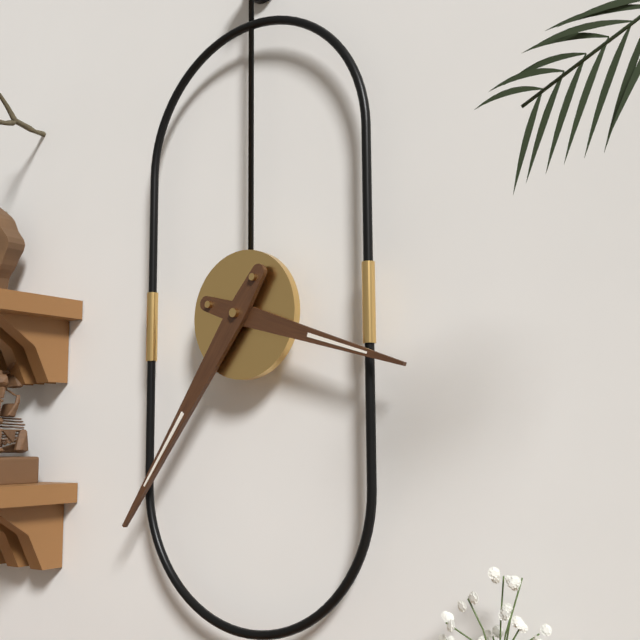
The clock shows 3:36
